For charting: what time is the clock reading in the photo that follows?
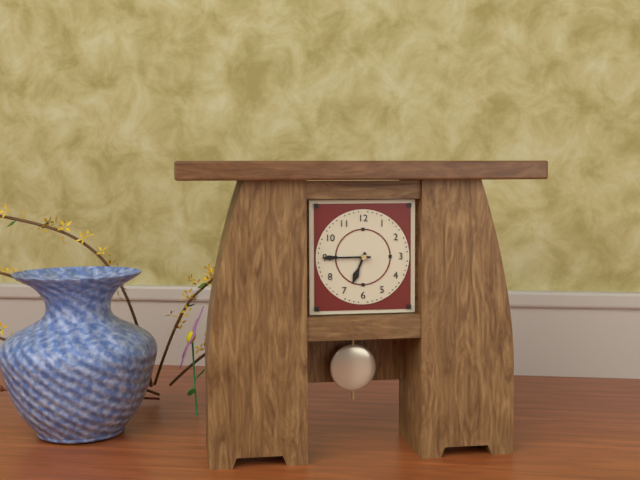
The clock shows 6:45
